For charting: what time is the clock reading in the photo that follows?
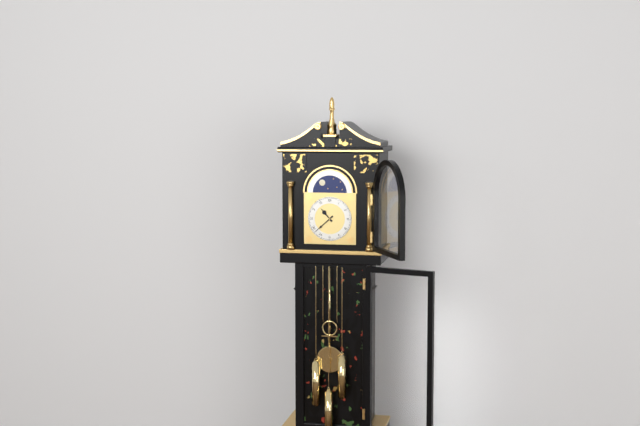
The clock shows 10:38
